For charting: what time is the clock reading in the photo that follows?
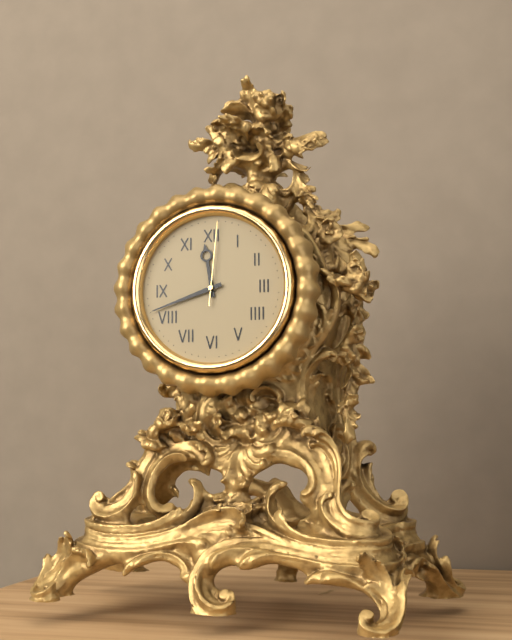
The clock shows 11:42:01
